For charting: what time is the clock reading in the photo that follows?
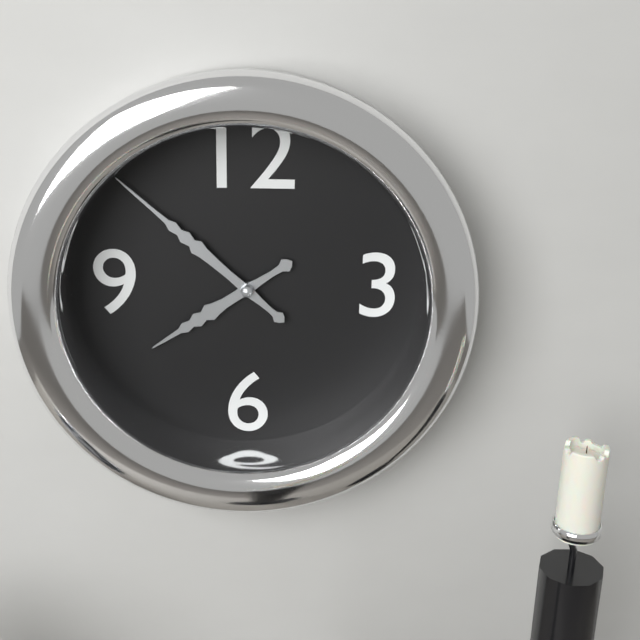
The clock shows 7:52
